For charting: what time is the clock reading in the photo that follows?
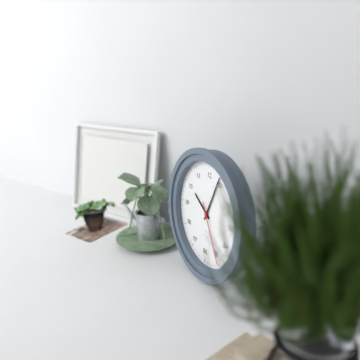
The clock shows 10:04:25
